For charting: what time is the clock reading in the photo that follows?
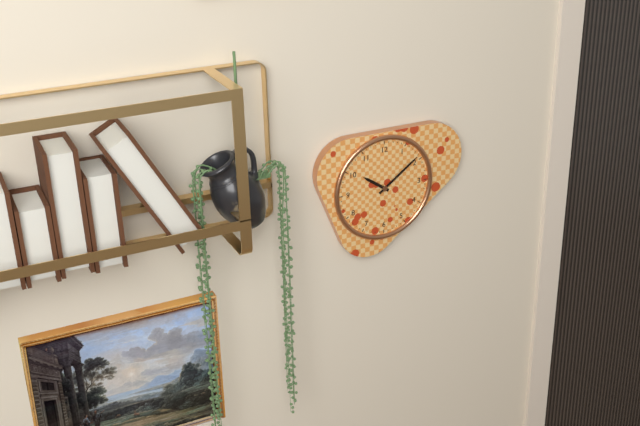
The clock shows 10:09
